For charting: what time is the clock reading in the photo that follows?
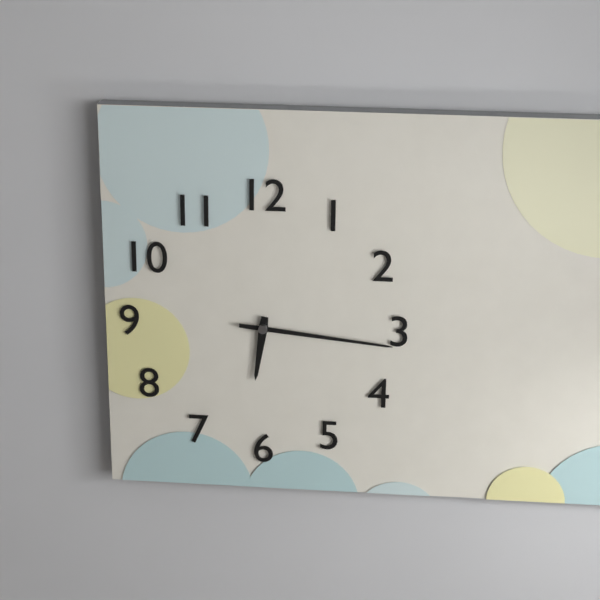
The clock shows 6:16
